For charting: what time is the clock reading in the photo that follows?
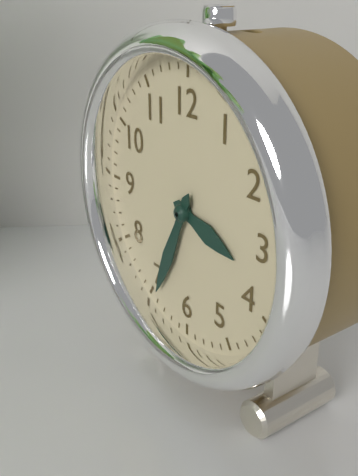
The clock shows 3:34
